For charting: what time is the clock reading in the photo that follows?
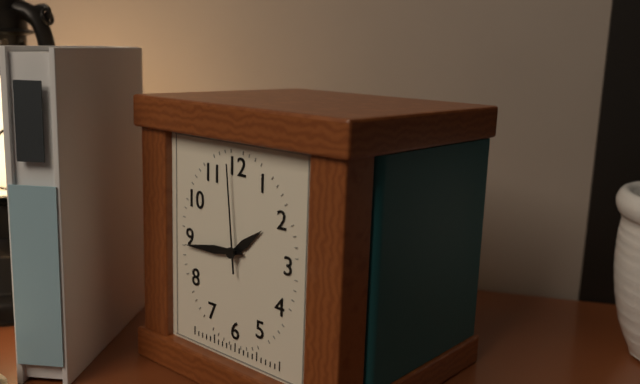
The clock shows 1:44:59
